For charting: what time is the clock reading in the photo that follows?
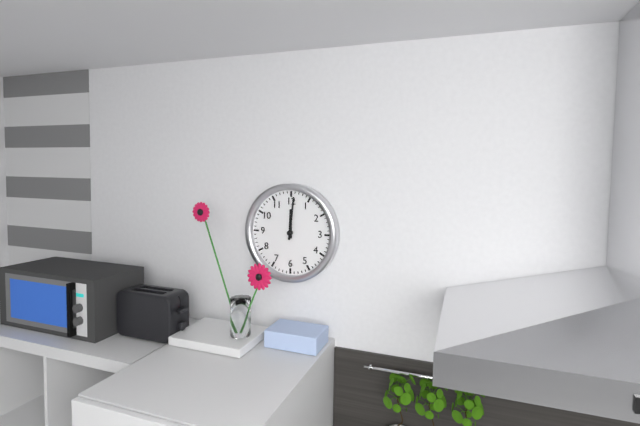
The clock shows 12:01
